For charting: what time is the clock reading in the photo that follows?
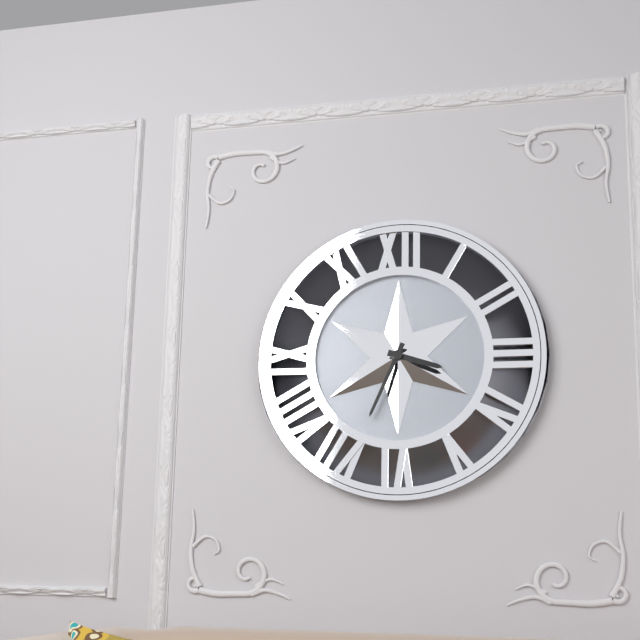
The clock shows 3:34
